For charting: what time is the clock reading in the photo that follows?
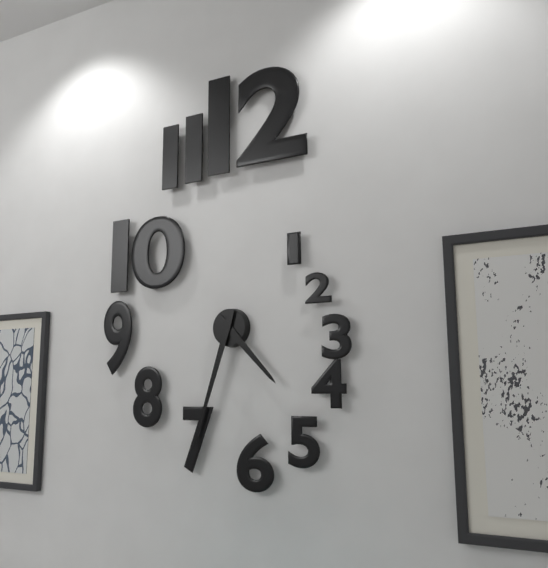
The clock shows 4:33
